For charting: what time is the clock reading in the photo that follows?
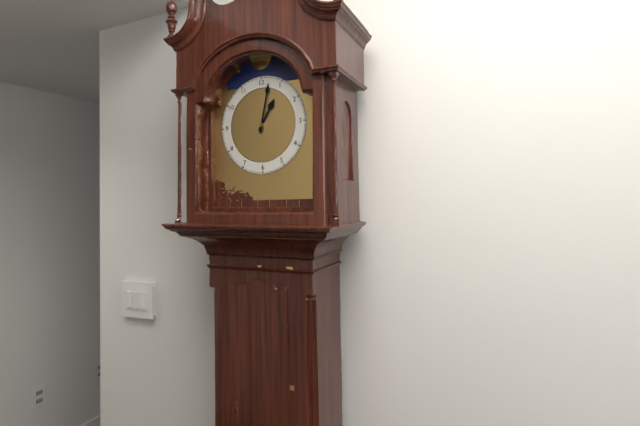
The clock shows 1:02
